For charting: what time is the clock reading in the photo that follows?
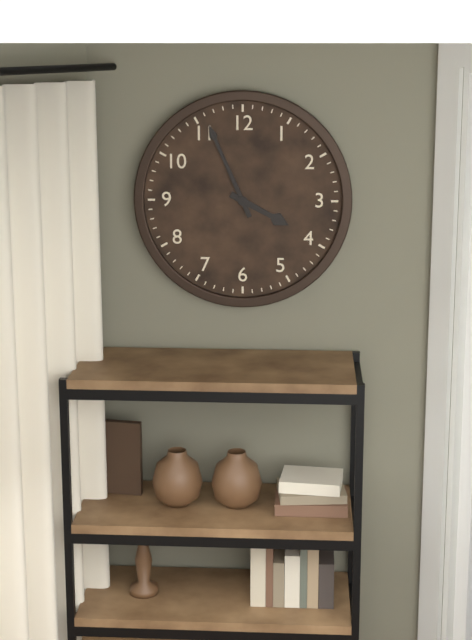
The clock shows 3:56
